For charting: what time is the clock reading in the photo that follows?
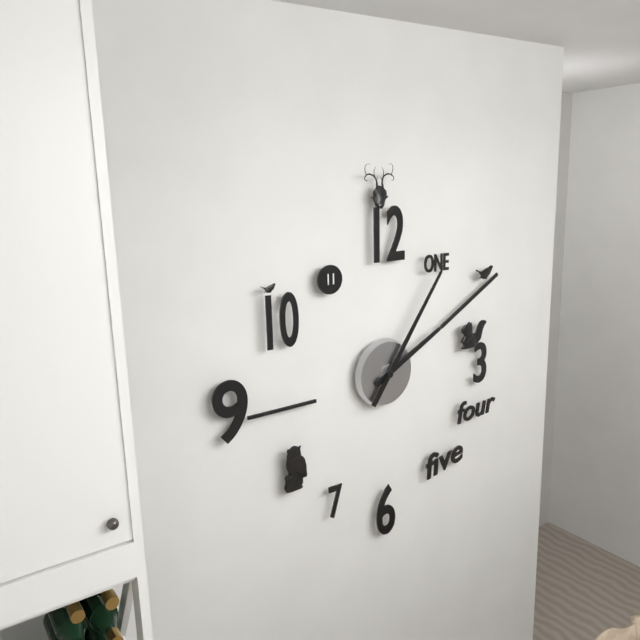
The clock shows 2:06
